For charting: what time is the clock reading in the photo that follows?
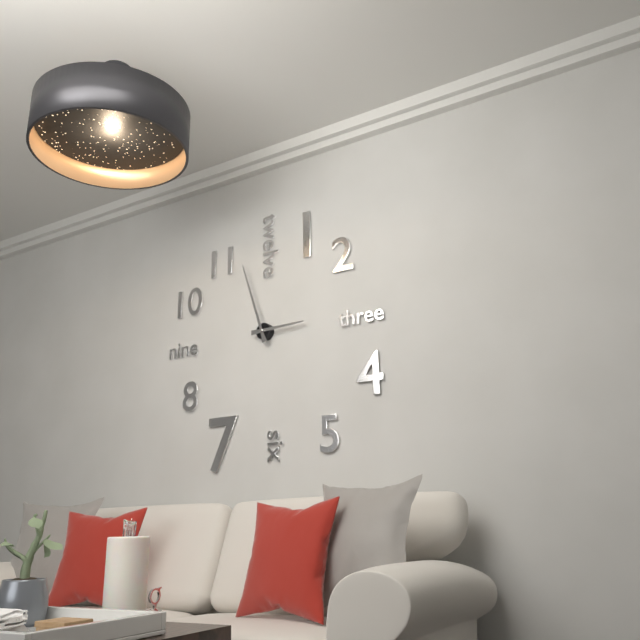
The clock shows 2:57
